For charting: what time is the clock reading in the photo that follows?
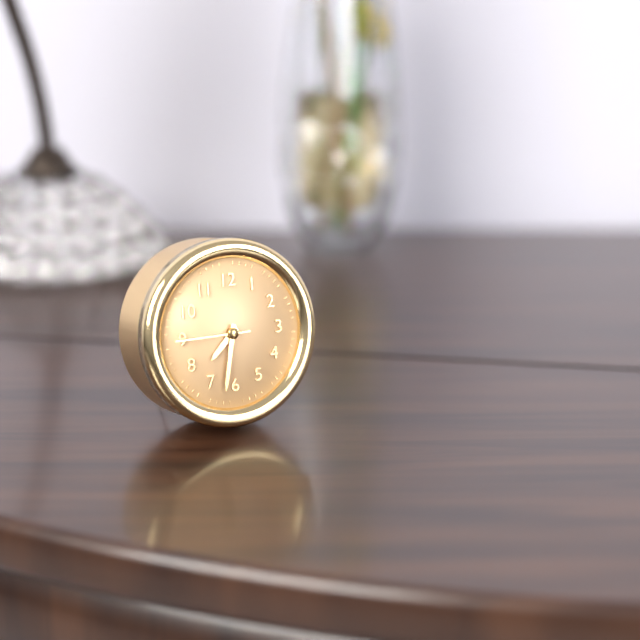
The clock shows 7:32:45
